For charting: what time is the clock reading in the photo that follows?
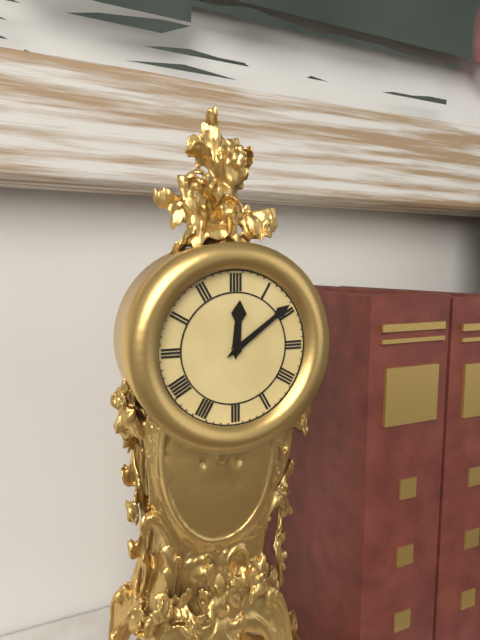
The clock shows 12:09
